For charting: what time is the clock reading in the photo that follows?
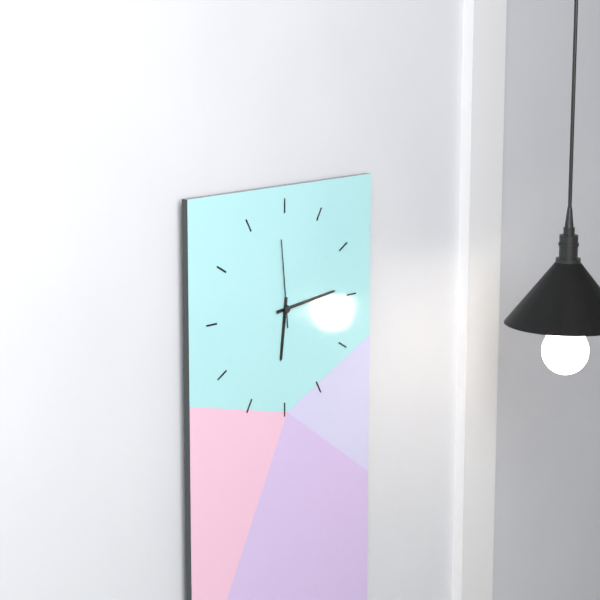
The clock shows 6:14:59
